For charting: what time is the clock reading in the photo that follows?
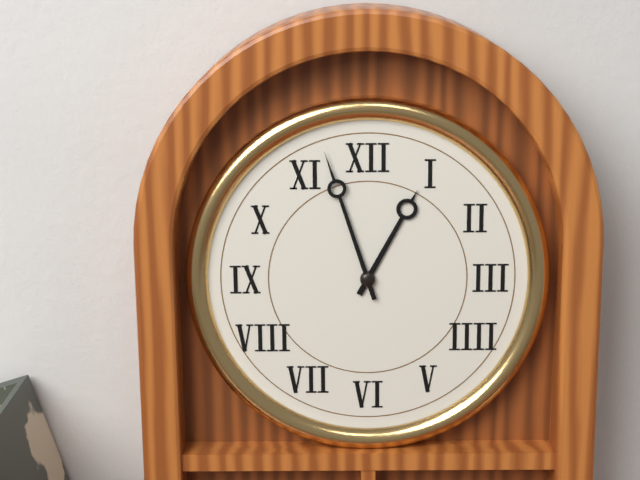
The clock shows 12:57
